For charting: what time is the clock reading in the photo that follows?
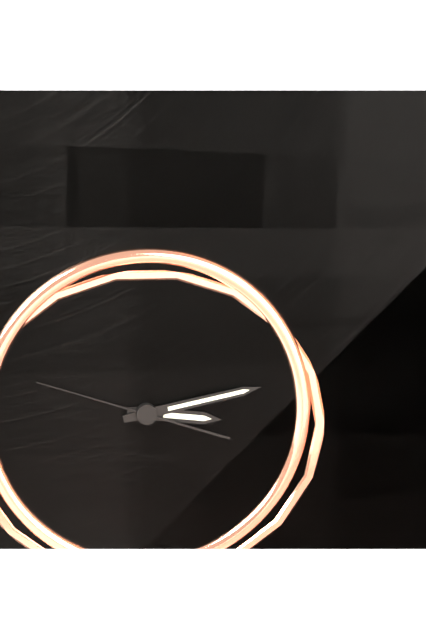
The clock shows 3:13:48
